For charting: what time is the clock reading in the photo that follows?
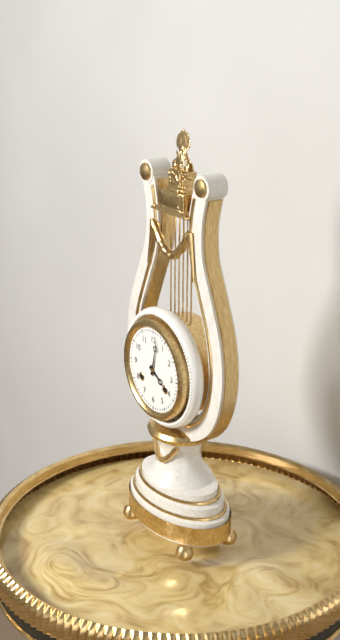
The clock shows 4:02
